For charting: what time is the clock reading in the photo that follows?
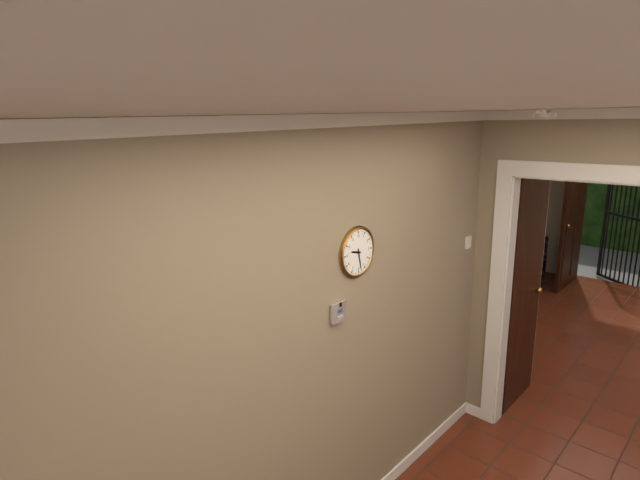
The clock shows 9:28
